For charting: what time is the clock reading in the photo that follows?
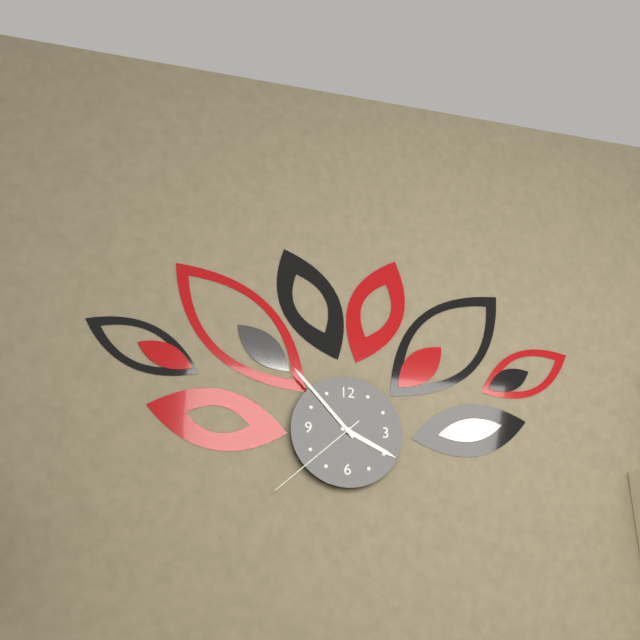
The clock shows 3:53:38
